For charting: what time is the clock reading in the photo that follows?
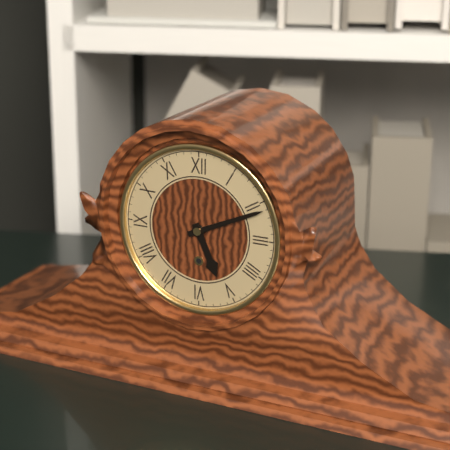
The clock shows 5:11
